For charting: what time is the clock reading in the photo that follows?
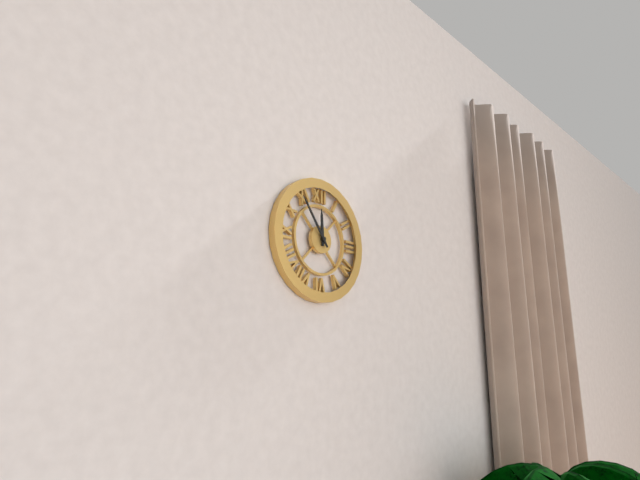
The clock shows 11:54
